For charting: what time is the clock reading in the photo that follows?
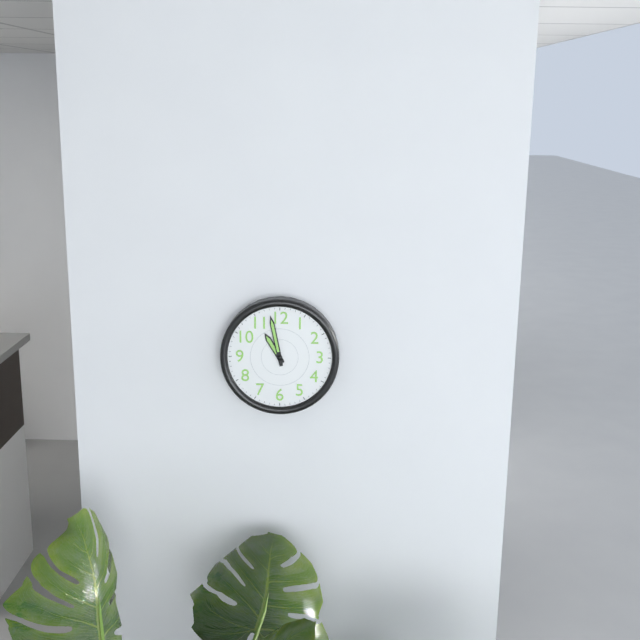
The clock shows 10:58
